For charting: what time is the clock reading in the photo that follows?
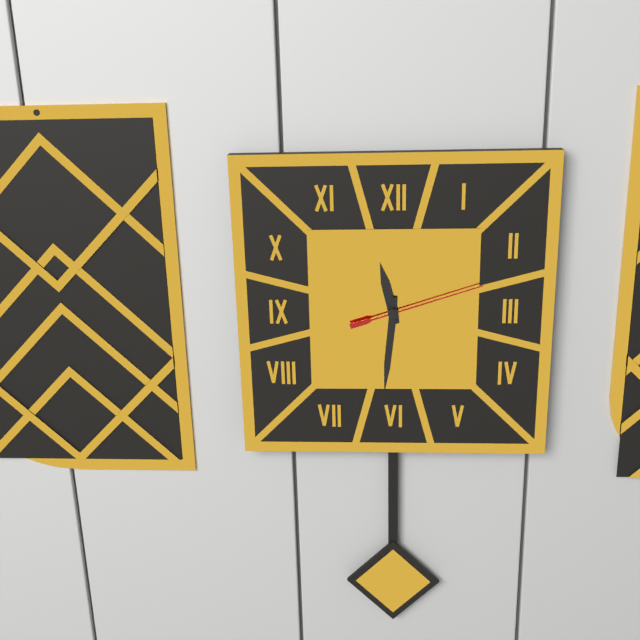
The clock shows 11:31:12
